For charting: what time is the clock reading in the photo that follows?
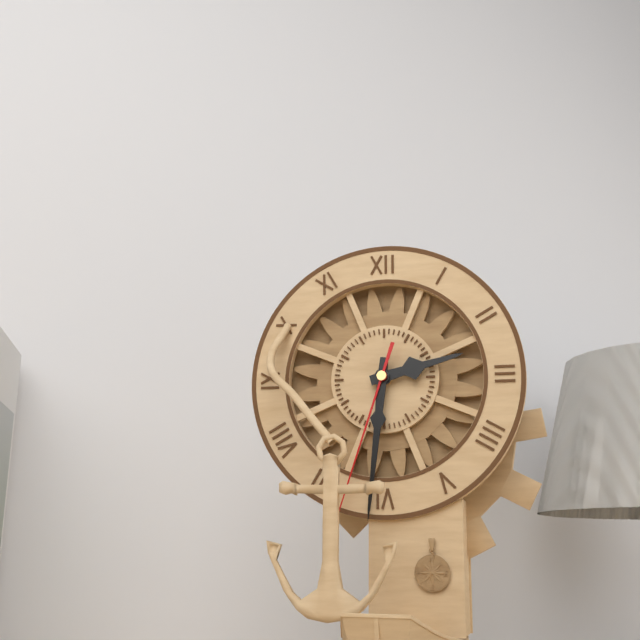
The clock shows 2:31:33
